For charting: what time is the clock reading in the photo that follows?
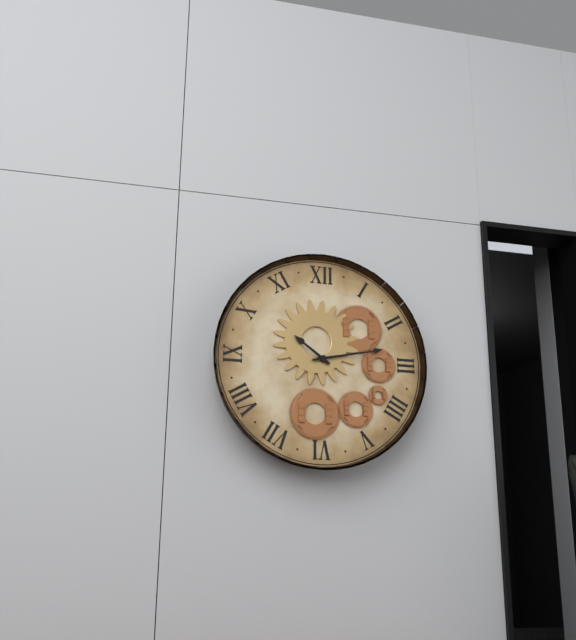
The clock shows 10:13
